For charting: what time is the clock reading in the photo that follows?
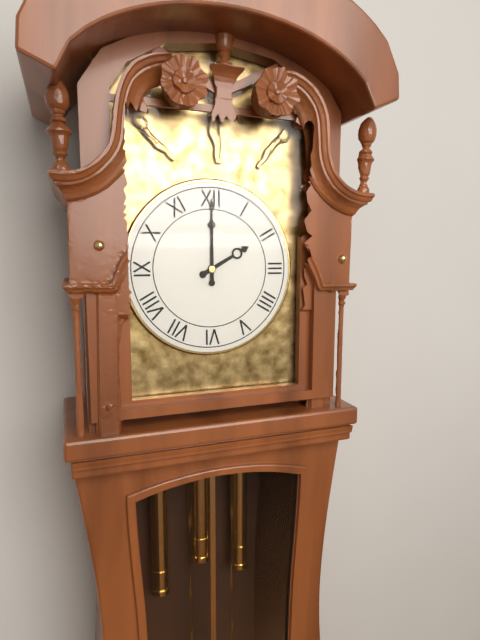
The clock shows 2:00
